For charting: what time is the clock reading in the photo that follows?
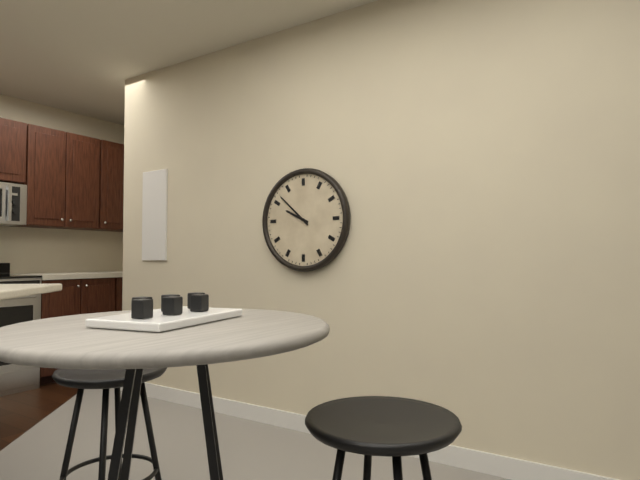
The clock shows 9:52
